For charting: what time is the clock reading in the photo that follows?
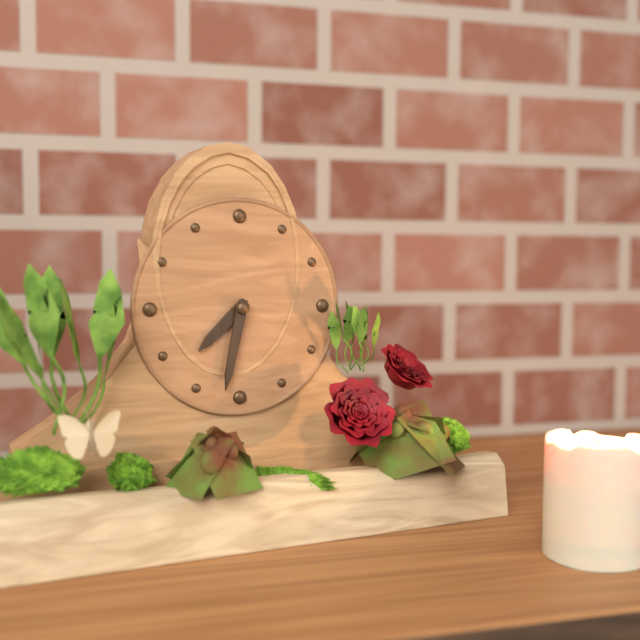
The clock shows 7:32
